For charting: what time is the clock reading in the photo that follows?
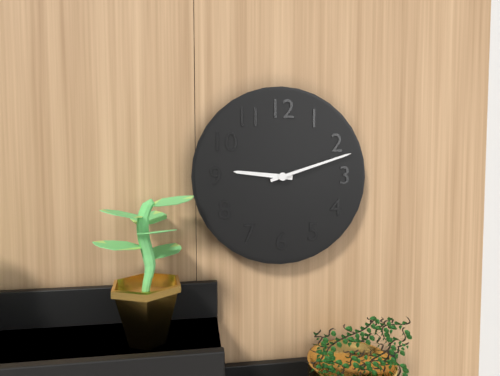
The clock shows 9:12
